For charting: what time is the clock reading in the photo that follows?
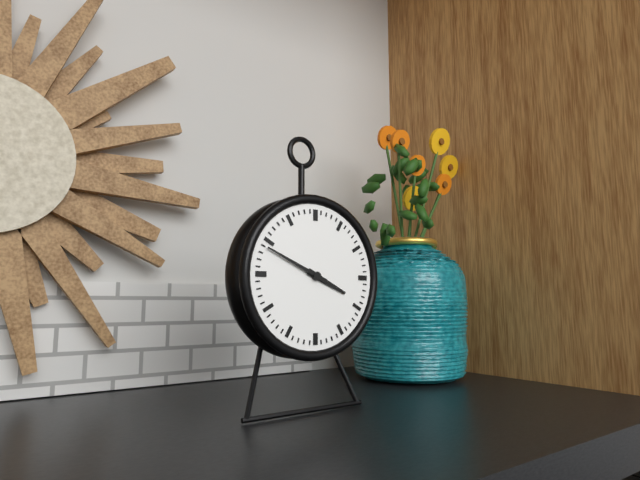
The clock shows 3:49
